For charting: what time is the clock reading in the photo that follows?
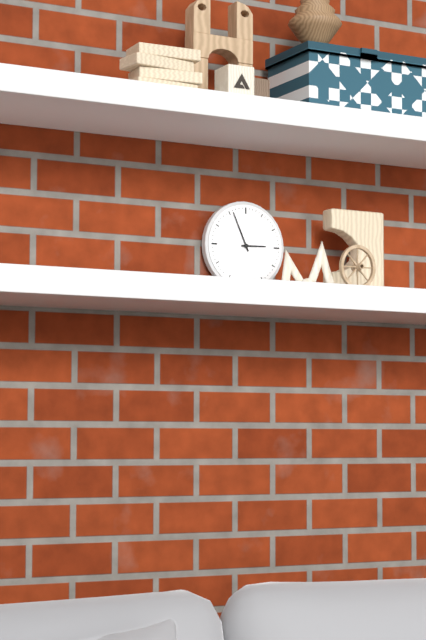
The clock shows 2:56
